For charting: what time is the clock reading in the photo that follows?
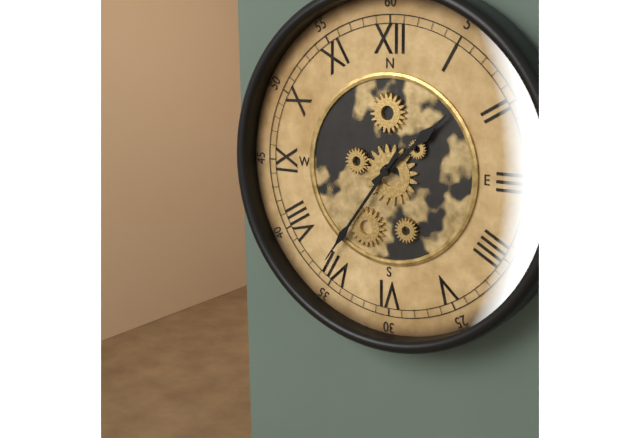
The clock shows 1:36
